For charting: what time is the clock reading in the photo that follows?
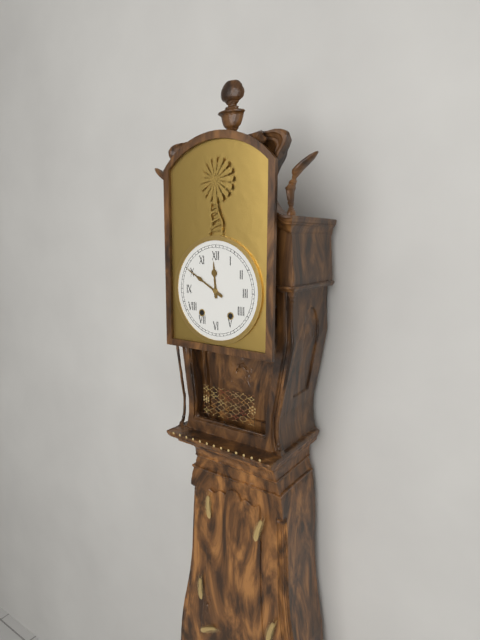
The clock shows 11:50
